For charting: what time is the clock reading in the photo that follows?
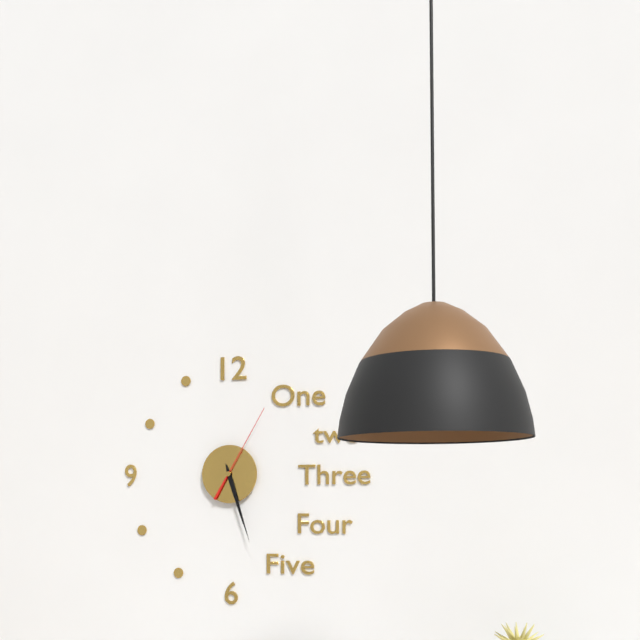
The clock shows 5:27:05
